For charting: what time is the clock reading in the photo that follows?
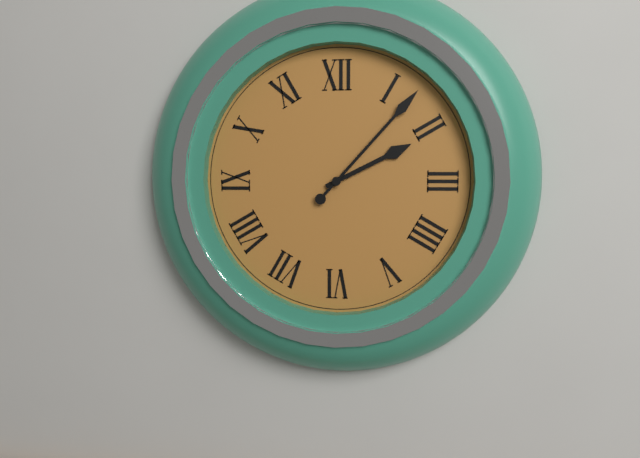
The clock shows 2:07
